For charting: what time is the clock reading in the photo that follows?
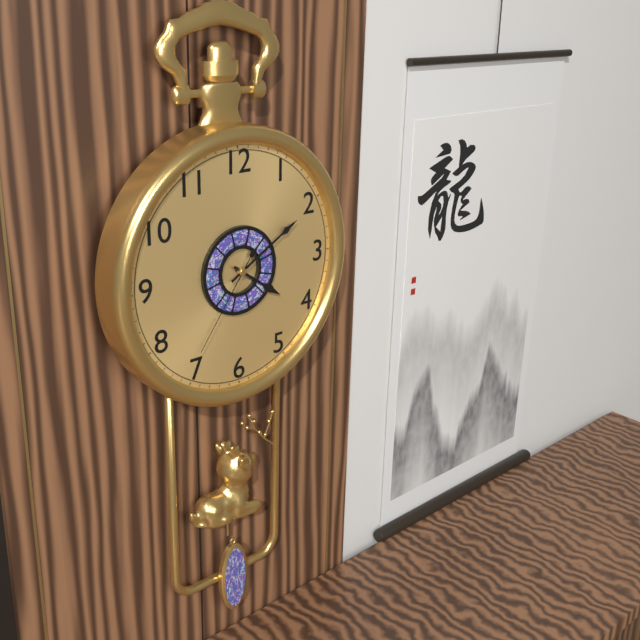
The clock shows 4:10:36
